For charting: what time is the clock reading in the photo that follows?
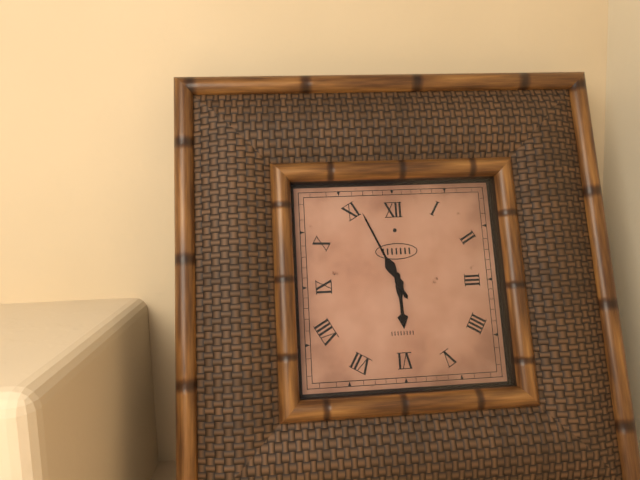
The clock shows 5:56
